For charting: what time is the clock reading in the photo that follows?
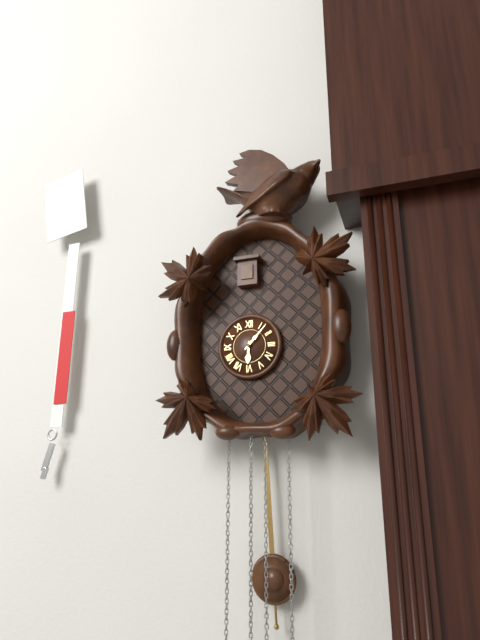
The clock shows 6:07
